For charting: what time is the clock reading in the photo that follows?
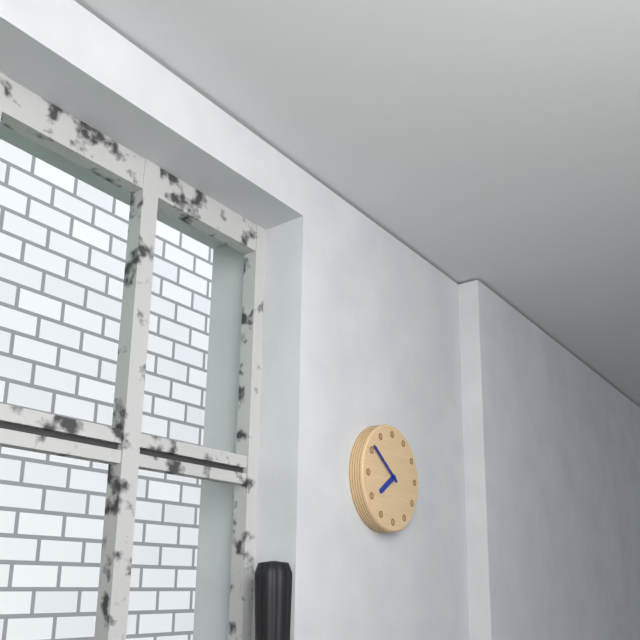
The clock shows 7:51
